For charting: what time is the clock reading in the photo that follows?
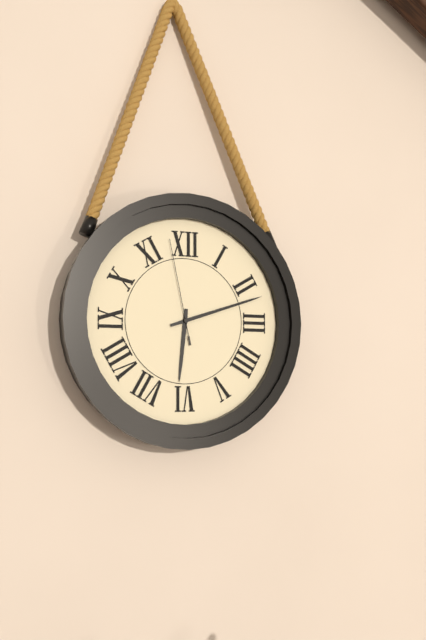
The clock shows 6:12:58
